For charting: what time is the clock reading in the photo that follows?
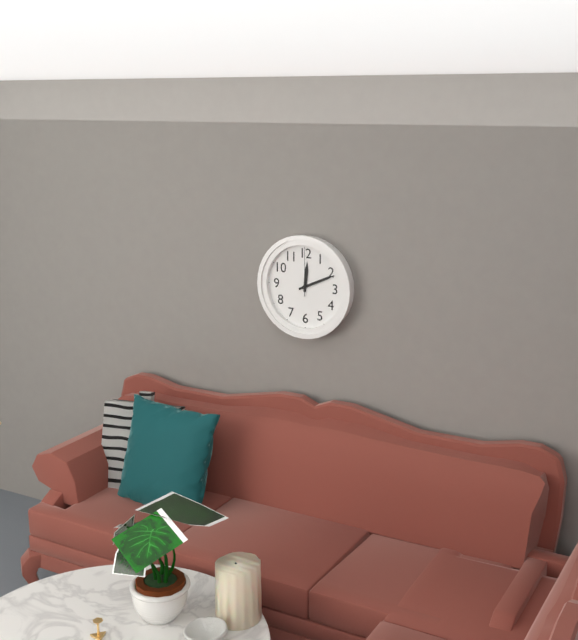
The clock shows 12:11
